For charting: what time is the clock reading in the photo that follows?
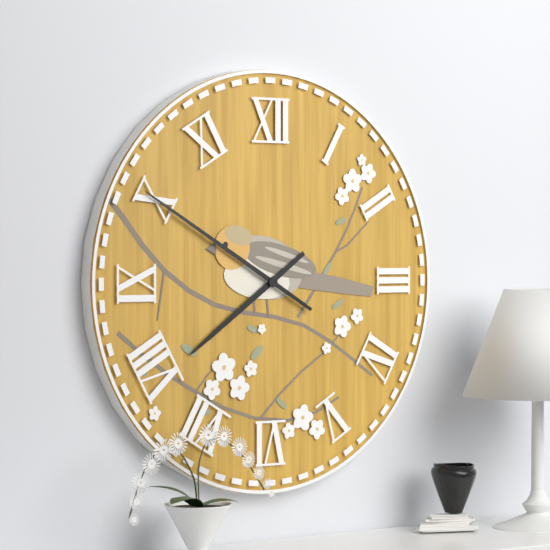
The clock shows 7:50
